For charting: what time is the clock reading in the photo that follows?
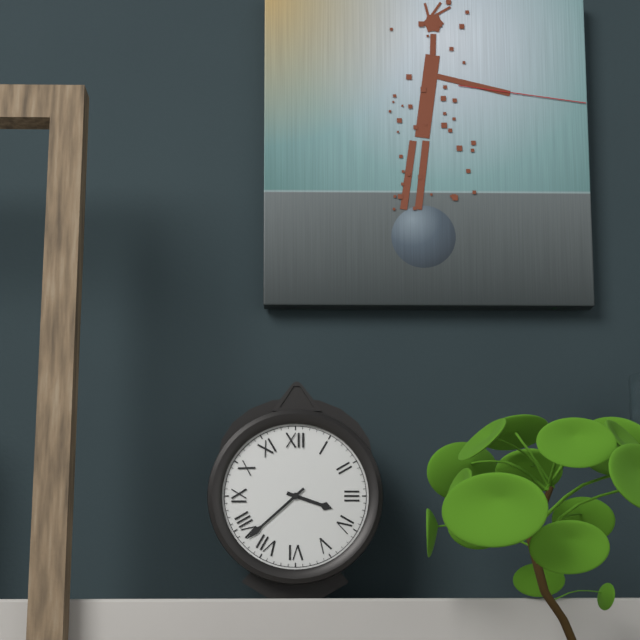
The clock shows 3:38
